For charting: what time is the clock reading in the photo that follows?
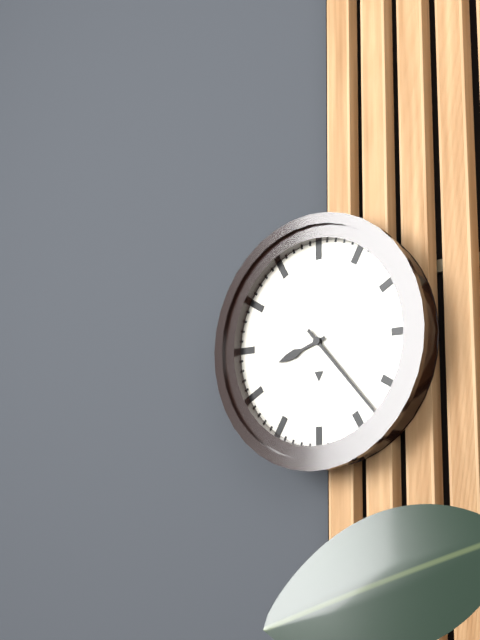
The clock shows 8:23
